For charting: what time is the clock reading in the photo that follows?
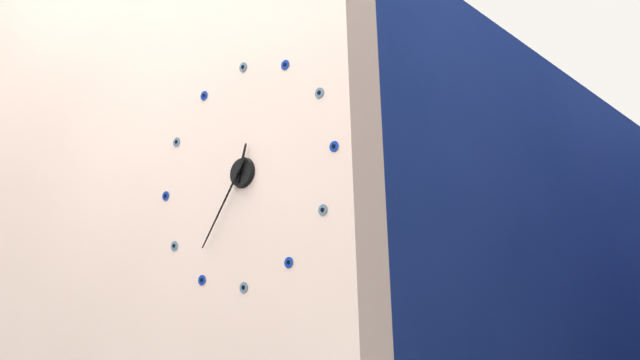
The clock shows 12:36
